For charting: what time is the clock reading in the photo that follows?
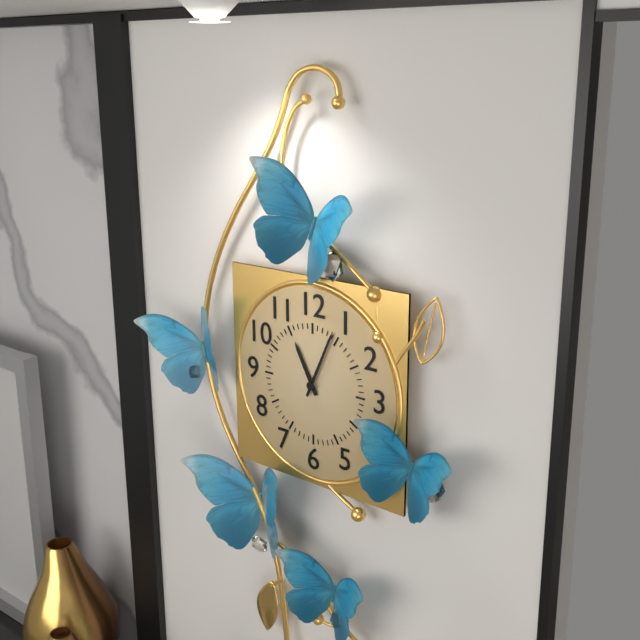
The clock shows 11:04
